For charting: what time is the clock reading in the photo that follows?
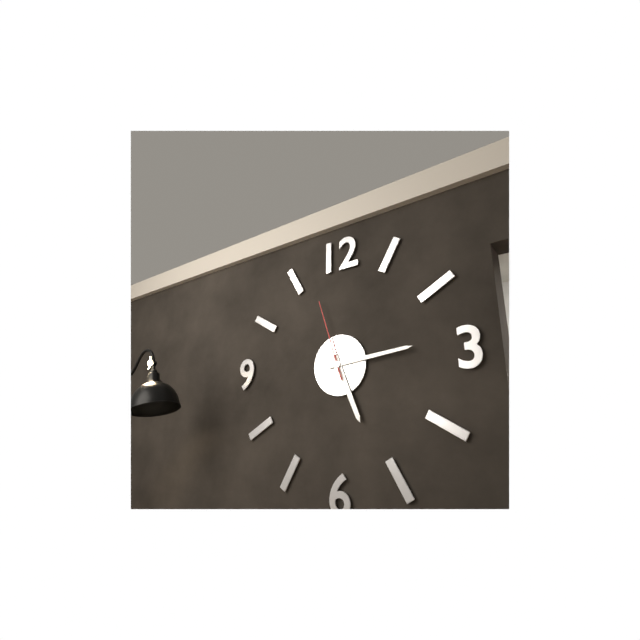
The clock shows 5:14:57
